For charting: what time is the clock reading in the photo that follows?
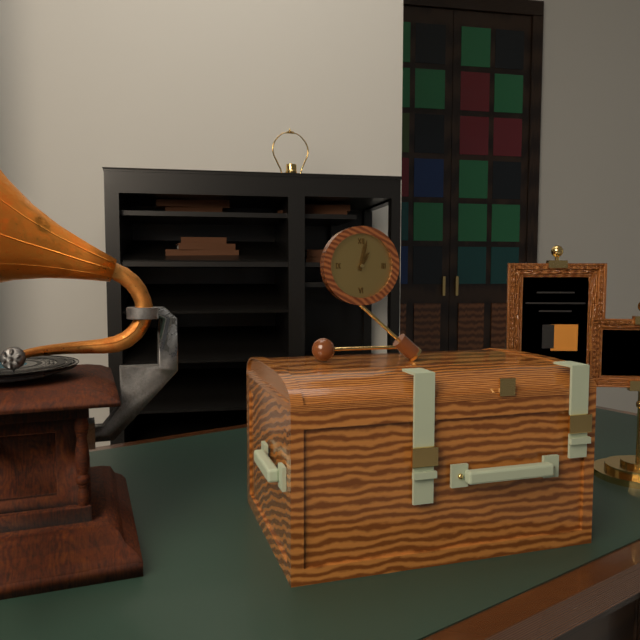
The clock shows 1:02
